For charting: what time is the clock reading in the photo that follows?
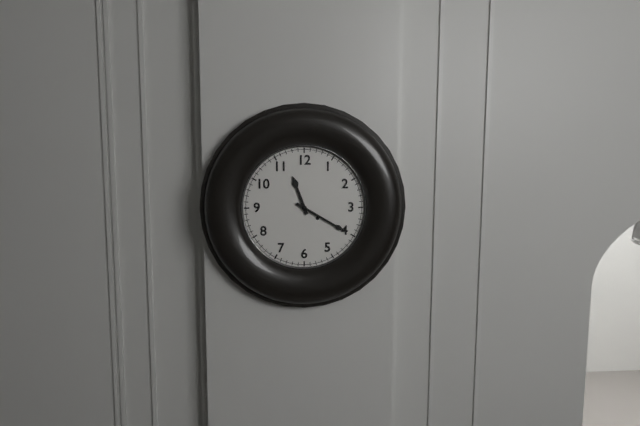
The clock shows 11:20
